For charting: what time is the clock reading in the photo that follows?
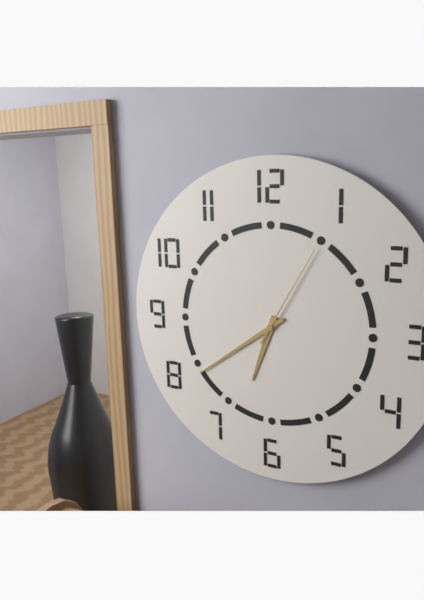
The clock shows 6:39:05
